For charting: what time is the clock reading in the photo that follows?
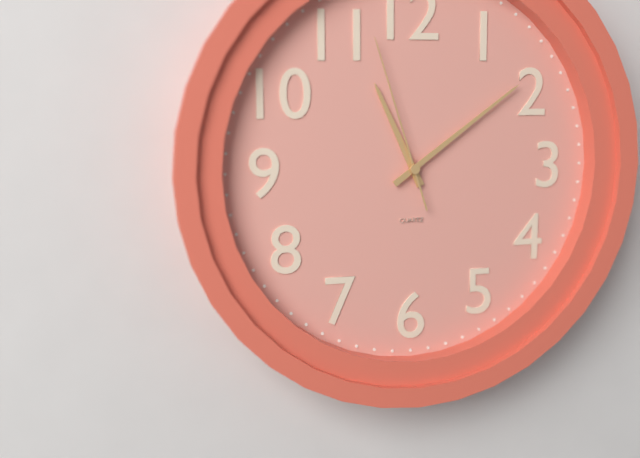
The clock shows 11:09:57
